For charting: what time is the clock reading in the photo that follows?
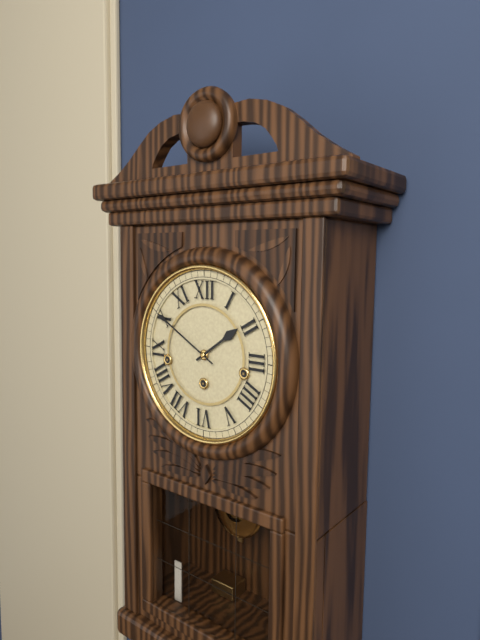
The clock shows 1:50
